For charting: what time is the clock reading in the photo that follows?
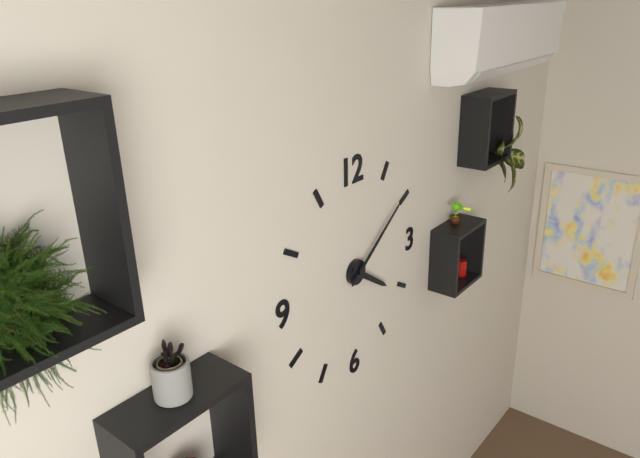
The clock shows 4:09
